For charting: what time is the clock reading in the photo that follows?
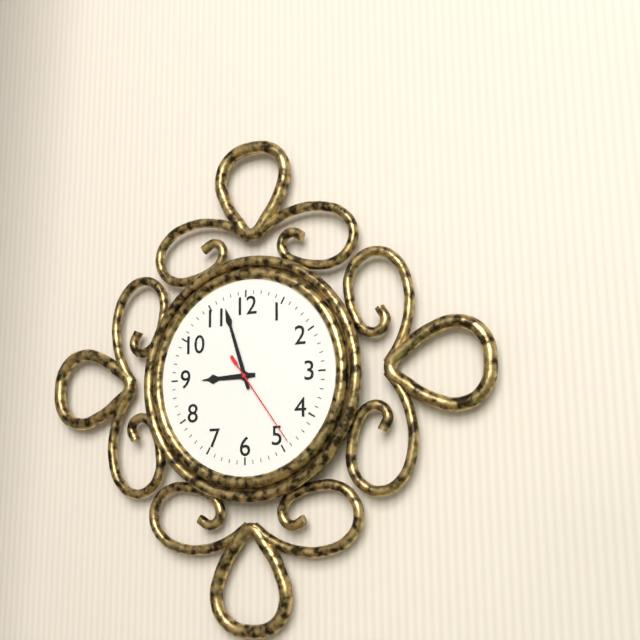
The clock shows 8:57:24
